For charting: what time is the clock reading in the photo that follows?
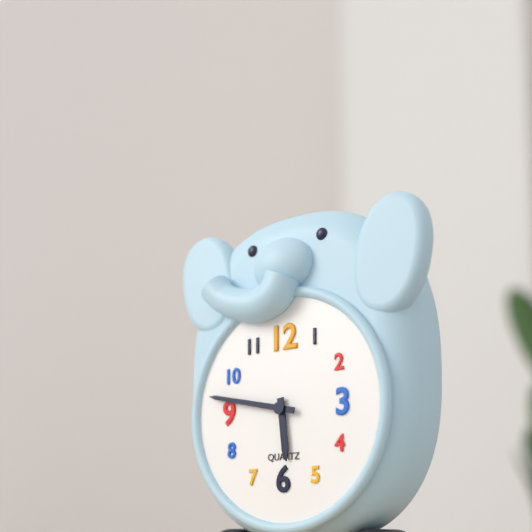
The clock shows 5:47
